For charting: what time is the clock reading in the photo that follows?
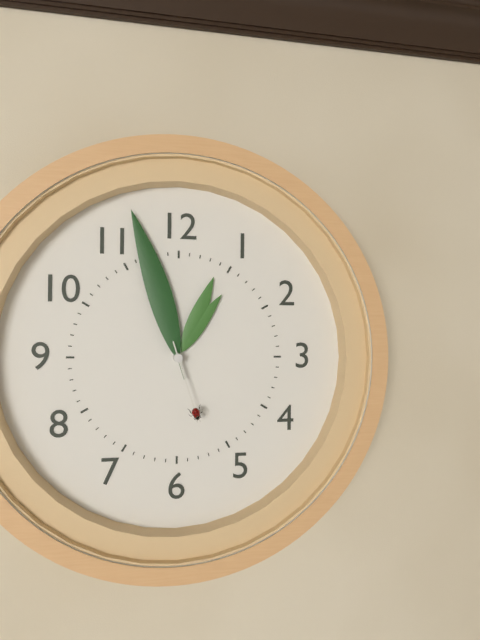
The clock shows 12:57:27
